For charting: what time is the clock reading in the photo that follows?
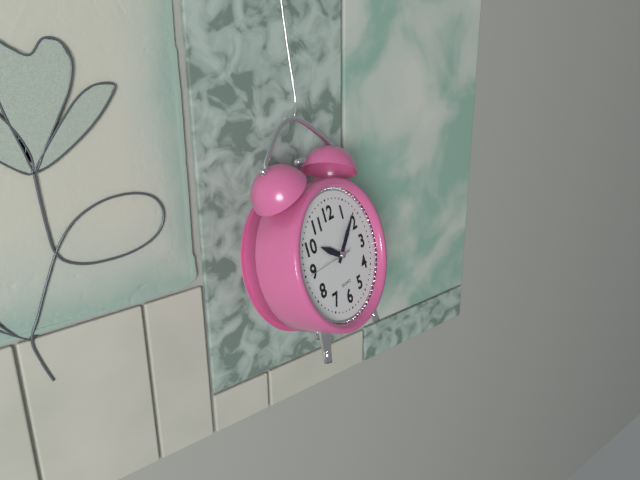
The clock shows 10:08
